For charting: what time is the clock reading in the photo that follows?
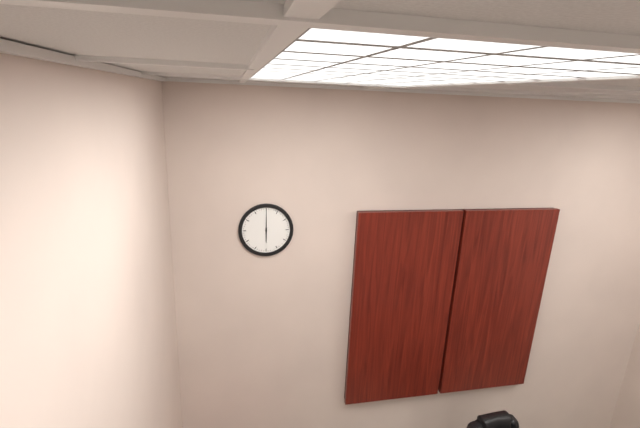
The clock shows 6:00
